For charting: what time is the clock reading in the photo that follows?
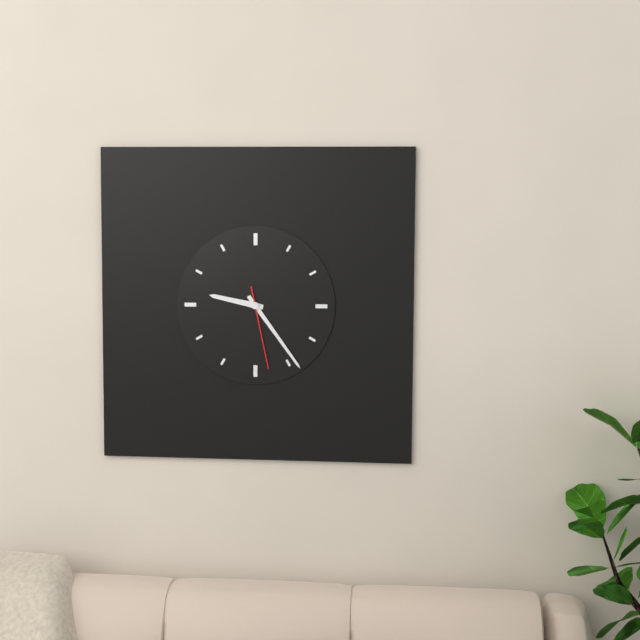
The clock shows 9:24:28
